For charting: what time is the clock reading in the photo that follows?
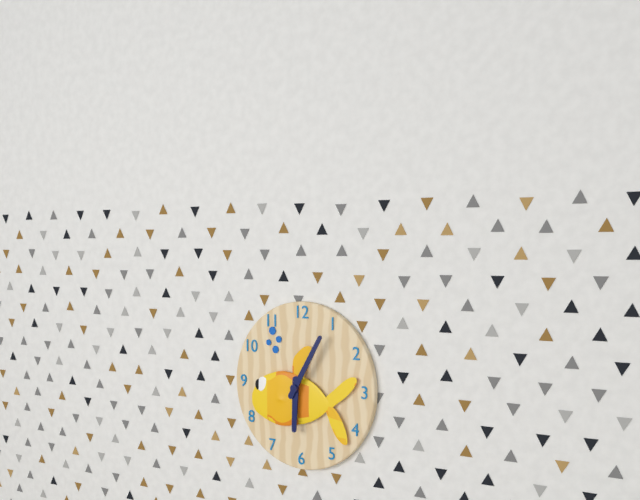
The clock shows 6:05
